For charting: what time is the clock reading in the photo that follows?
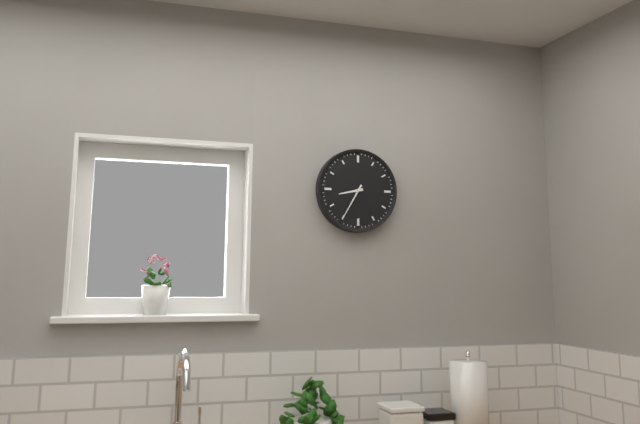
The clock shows 8:35
